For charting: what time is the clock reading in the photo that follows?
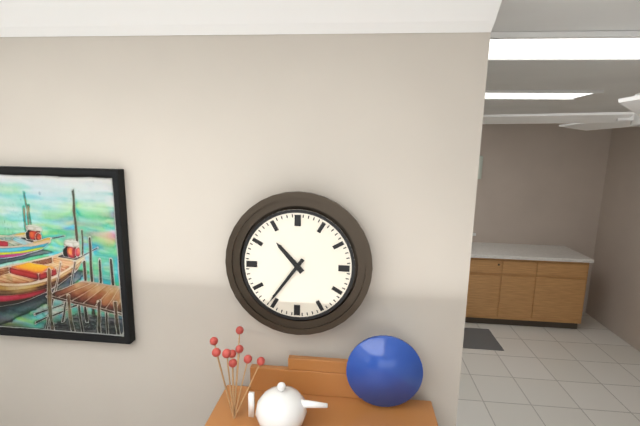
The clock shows 10:36
